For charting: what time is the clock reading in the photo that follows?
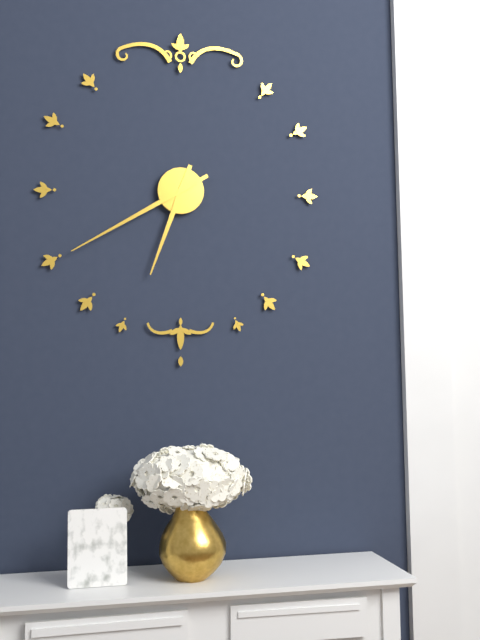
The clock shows 6:40
